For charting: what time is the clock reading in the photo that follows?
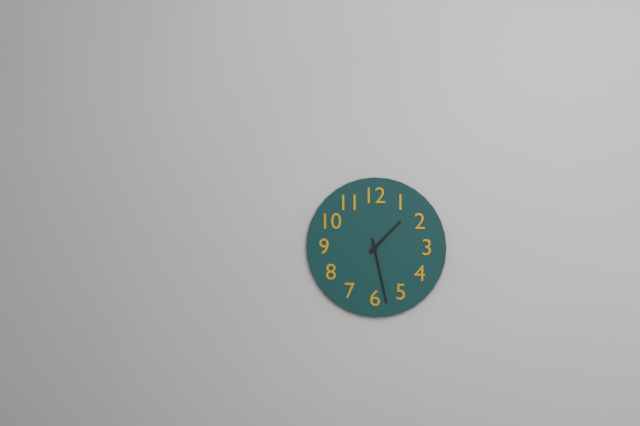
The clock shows 1:28
